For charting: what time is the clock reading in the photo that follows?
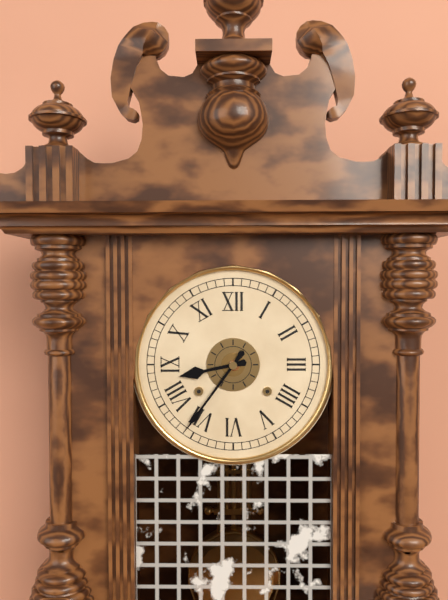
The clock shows 8:36
